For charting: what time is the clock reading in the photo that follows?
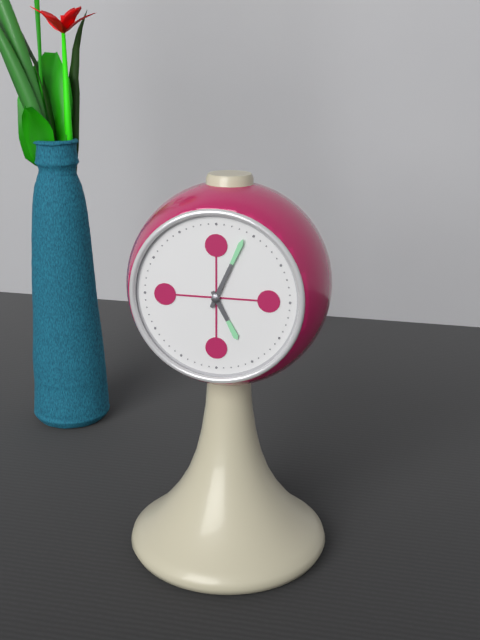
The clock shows 5:04
